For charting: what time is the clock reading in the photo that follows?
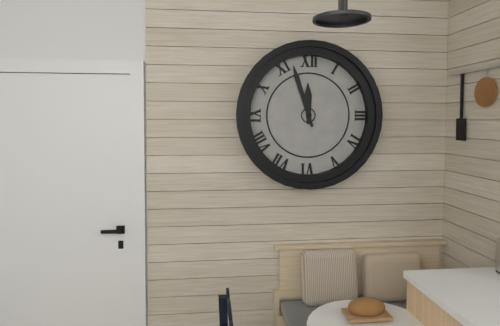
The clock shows 11:57
